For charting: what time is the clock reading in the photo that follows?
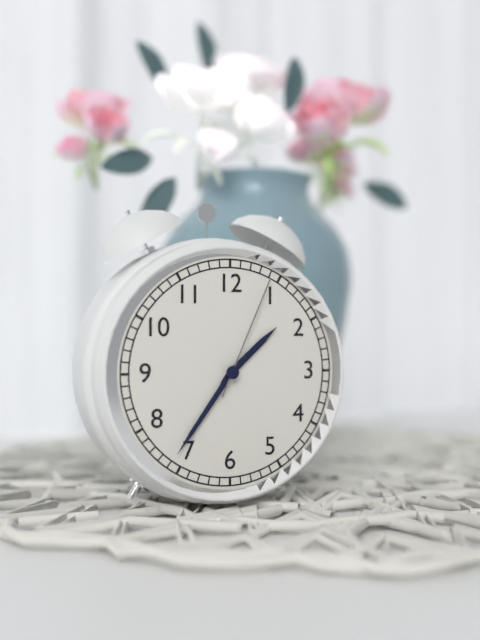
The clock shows 1:36:04
